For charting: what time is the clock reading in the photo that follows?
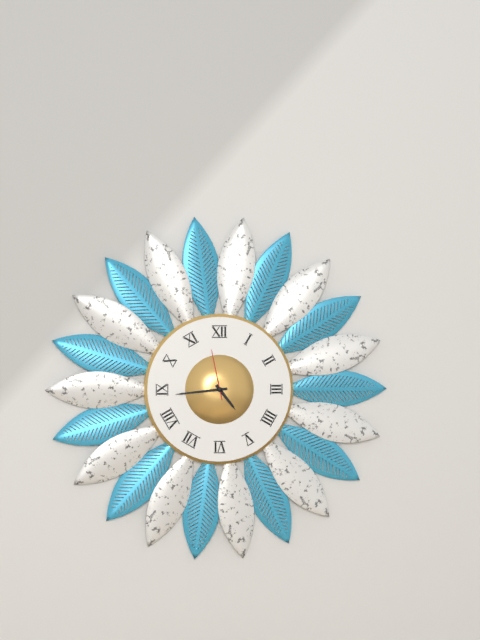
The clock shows 4:44:58
